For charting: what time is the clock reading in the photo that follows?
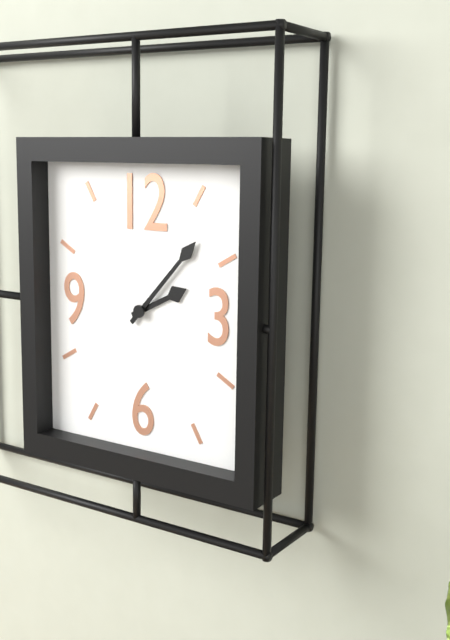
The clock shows 2:07
